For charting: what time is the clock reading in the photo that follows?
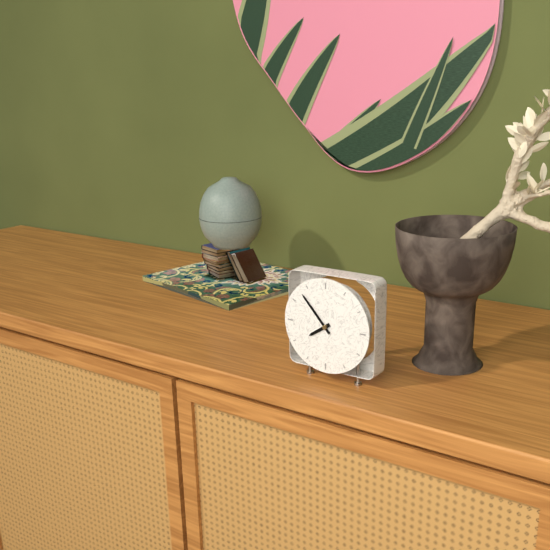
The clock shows 7:53
